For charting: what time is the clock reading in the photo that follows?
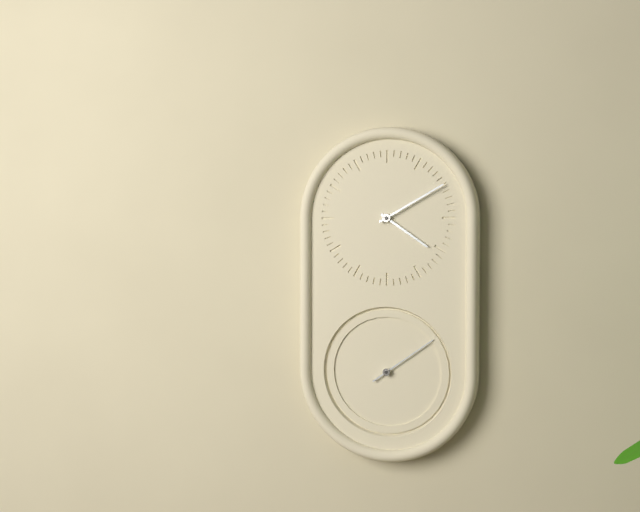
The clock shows 4:10:09
